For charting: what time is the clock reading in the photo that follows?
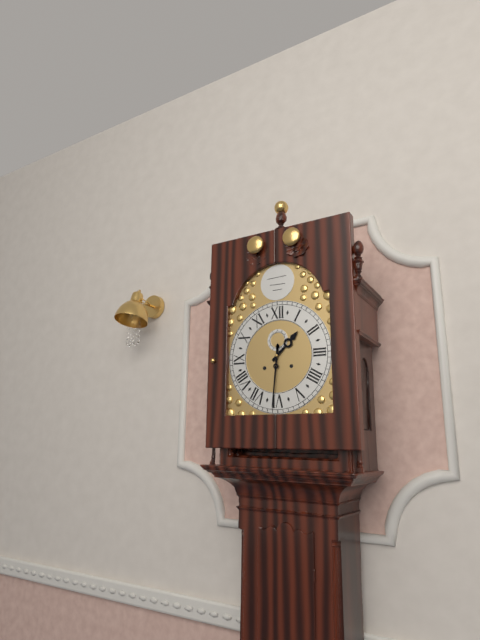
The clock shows 1:31
